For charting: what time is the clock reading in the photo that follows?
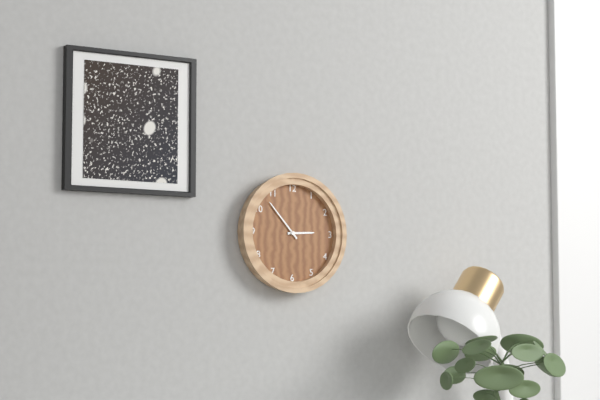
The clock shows 2:53
